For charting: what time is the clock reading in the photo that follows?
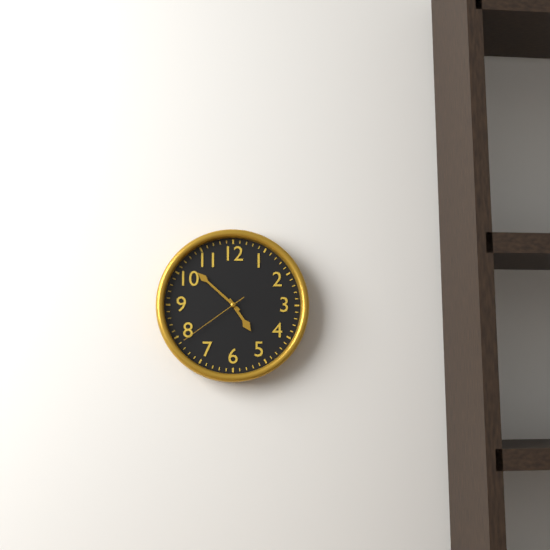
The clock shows 4:52:39
